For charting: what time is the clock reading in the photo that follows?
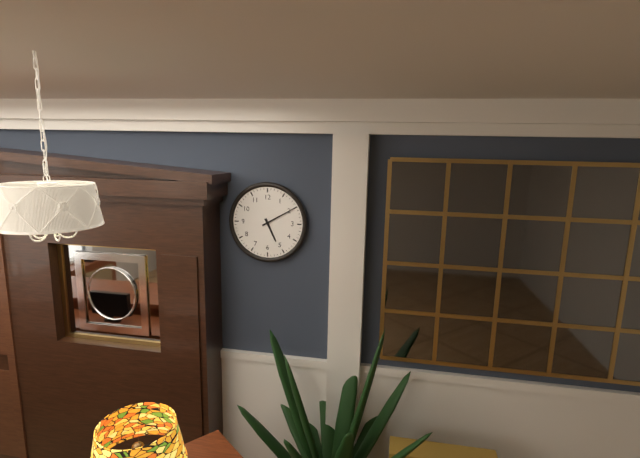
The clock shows 5:10
